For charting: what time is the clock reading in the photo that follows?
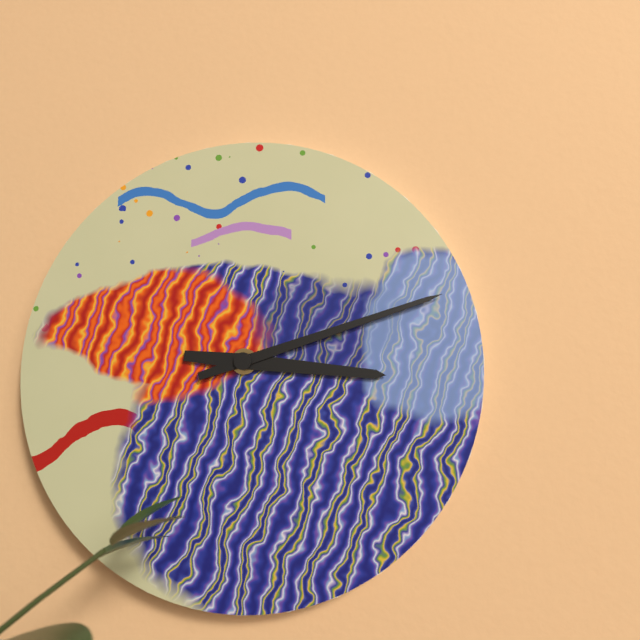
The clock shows 3:12
